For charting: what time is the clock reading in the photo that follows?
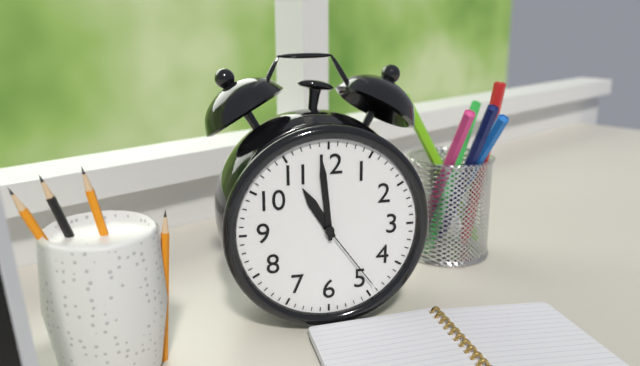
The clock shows 10:59:24
